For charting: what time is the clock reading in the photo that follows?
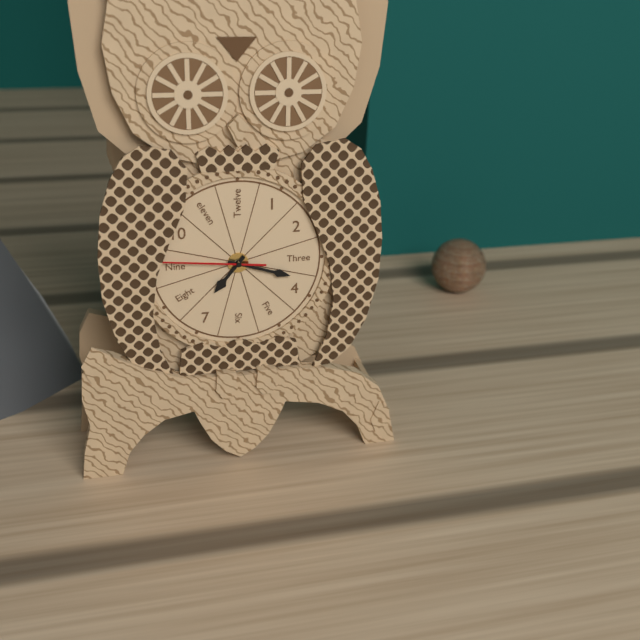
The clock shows 7:18:46
